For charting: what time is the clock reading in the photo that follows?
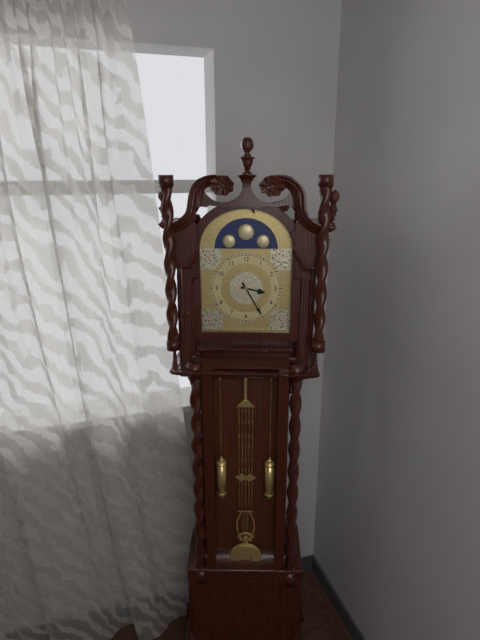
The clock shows 3:25
